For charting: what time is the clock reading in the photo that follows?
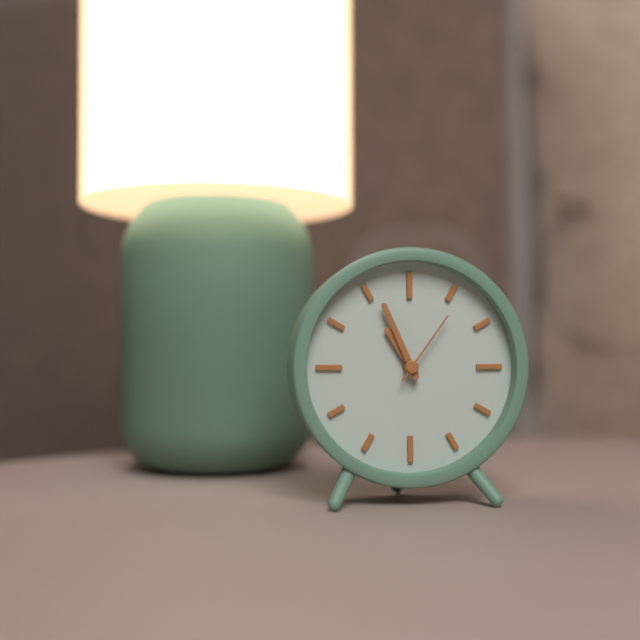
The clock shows 10:56:06
